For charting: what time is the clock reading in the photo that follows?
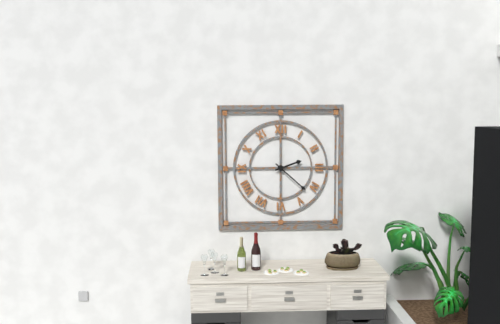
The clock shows 2:22
